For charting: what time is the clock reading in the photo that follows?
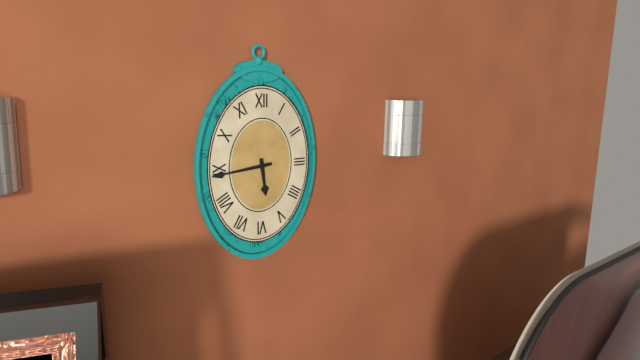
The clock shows 5:44
